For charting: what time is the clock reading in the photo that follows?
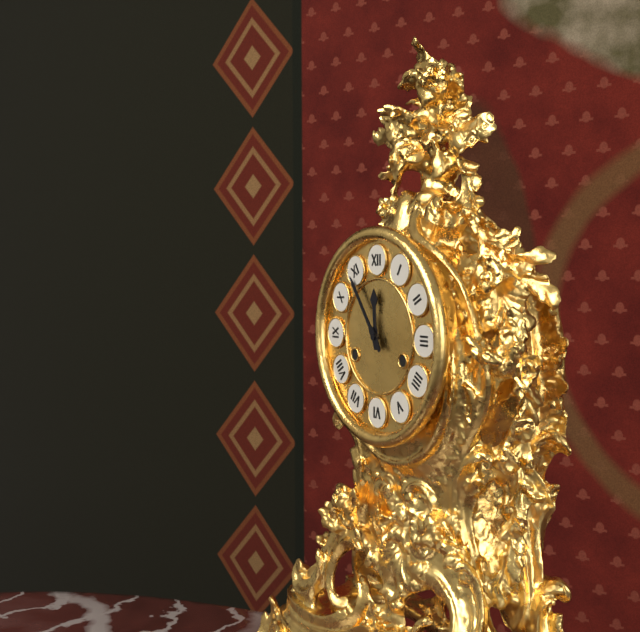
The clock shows 11:54
